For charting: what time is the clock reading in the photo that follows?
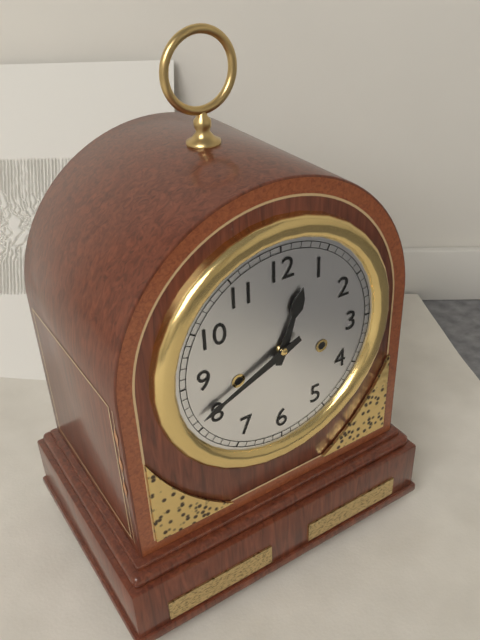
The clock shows 12:41
